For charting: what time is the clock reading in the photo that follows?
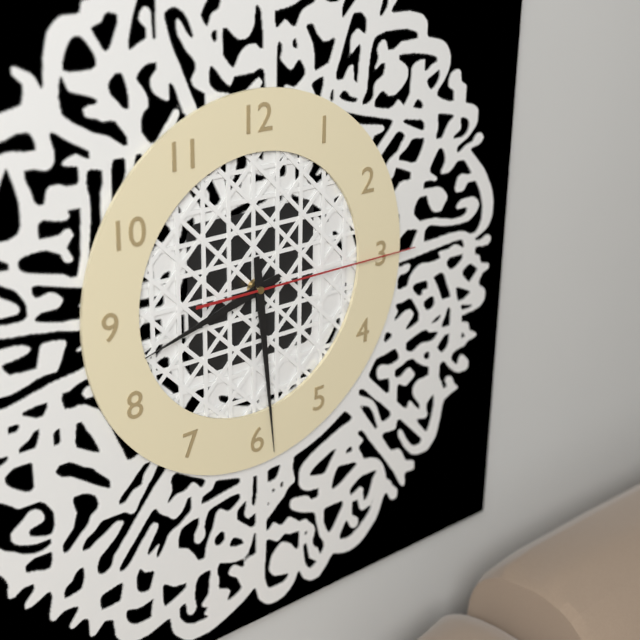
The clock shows 8:29:15
